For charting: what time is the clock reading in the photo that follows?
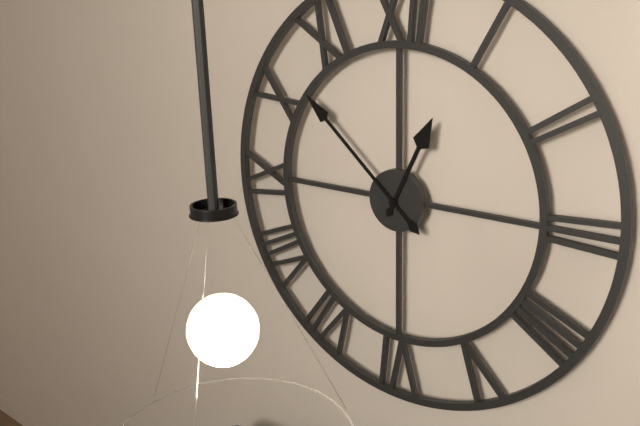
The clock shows 12:52
